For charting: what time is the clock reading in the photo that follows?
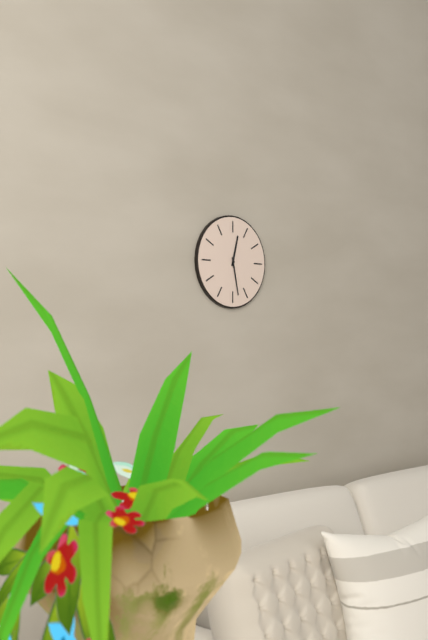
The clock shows 12:28
